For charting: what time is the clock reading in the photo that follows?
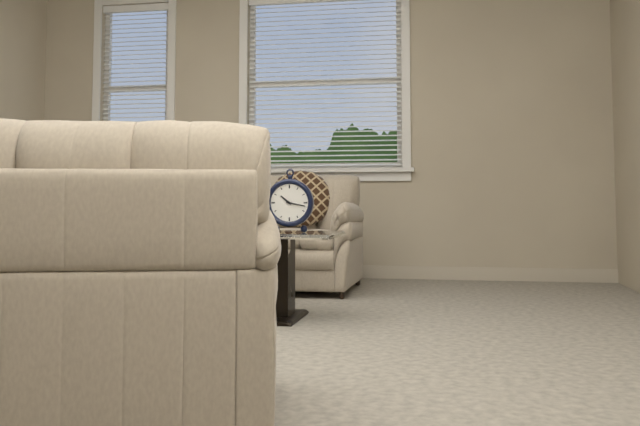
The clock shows 10:17
